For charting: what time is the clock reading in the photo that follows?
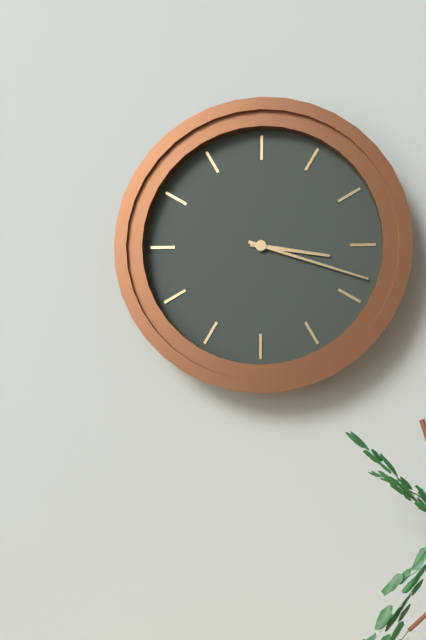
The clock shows 3:18
